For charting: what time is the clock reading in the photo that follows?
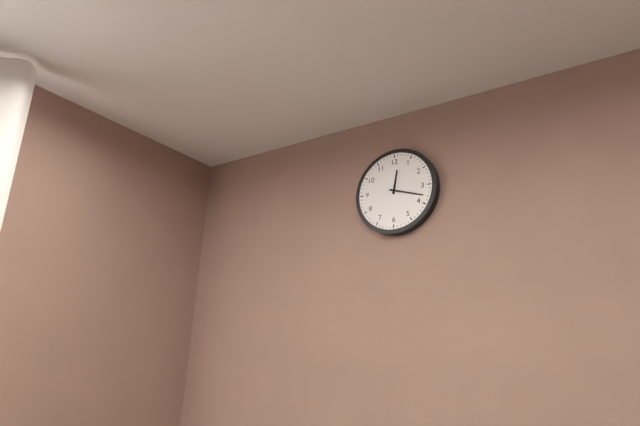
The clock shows 12:18
